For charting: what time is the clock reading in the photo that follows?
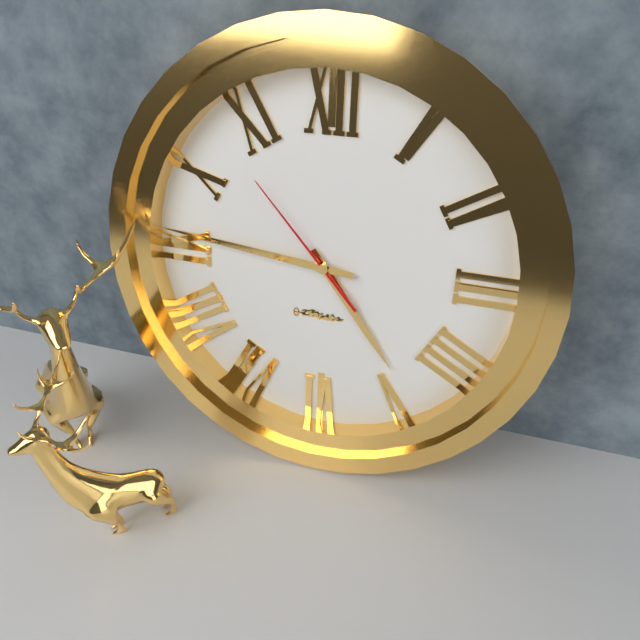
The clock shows 4:46:53
